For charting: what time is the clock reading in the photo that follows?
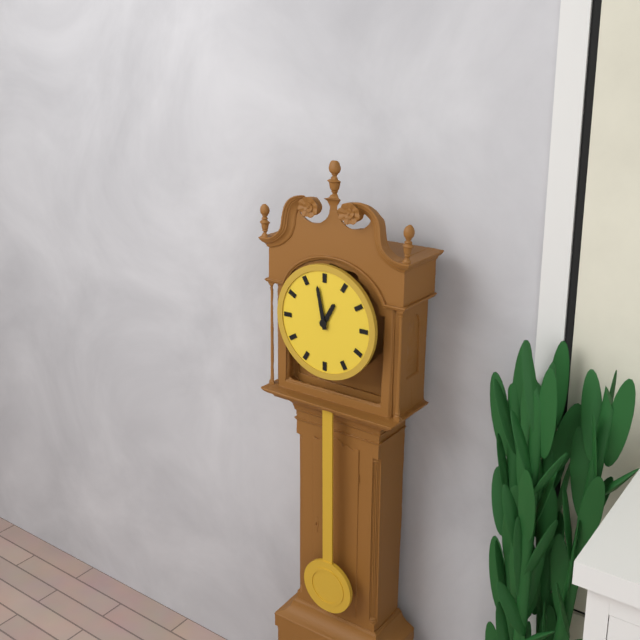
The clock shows 12:58
